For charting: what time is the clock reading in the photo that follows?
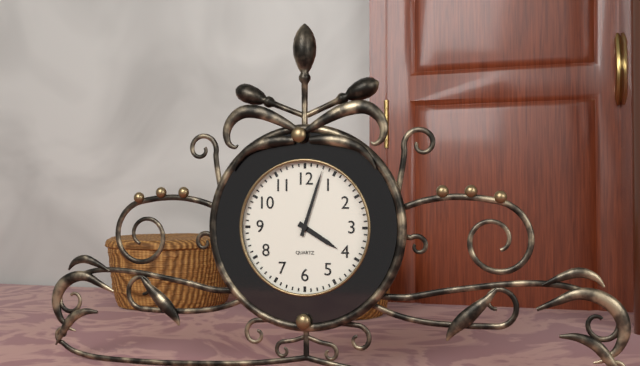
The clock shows 4:03
